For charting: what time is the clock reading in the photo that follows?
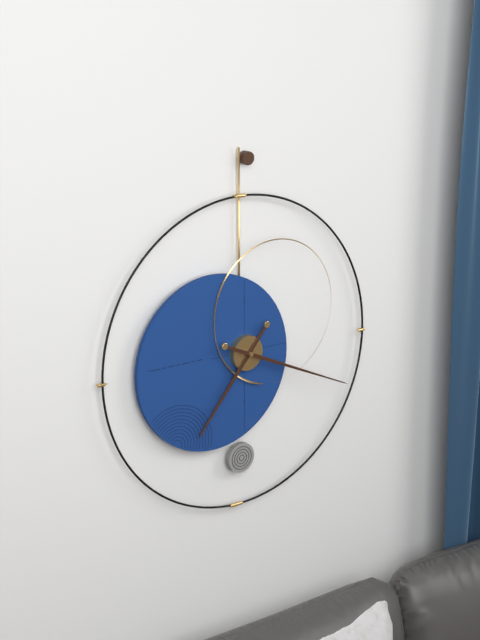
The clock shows 7:19
